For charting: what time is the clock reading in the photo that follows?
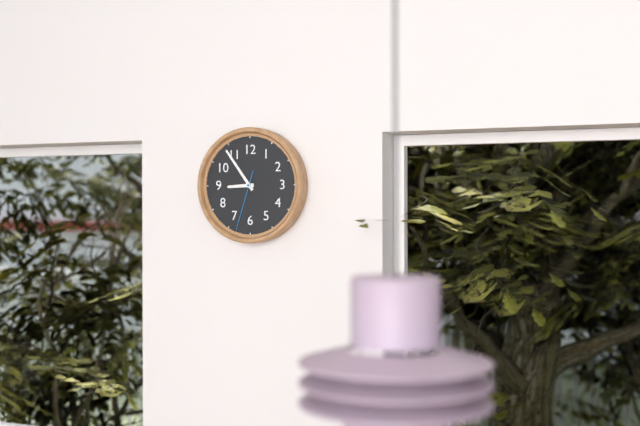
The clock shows 8:54:33
